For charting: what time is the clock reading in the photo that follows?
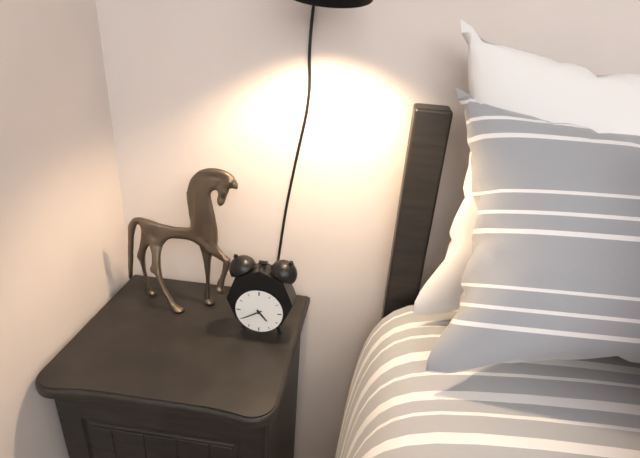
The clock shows 4:40
